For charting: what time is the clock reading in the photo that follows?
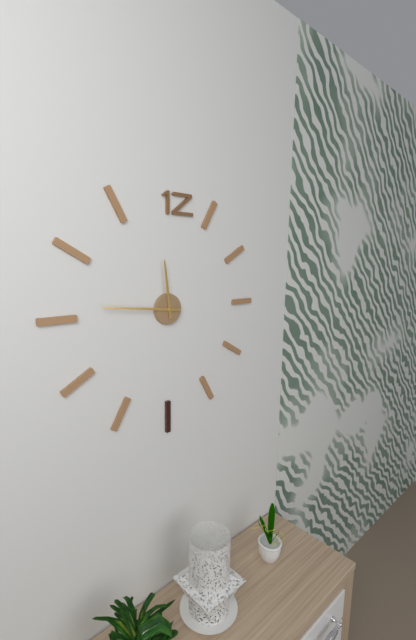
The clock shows 11:46
